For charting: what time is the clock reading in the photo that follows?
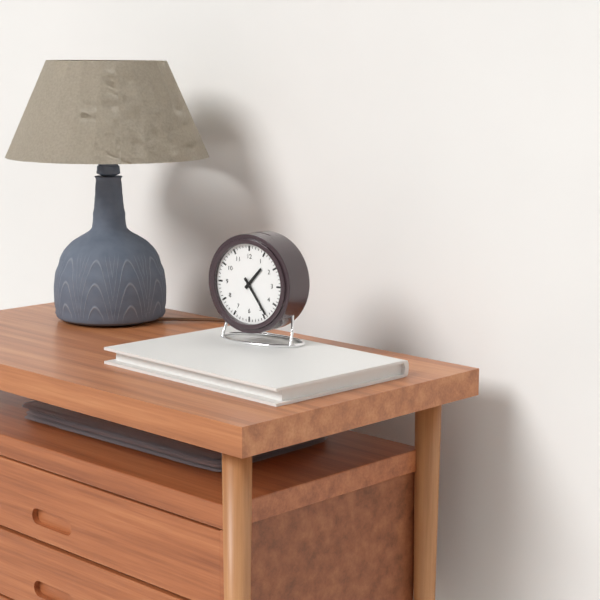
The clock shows 1:24
